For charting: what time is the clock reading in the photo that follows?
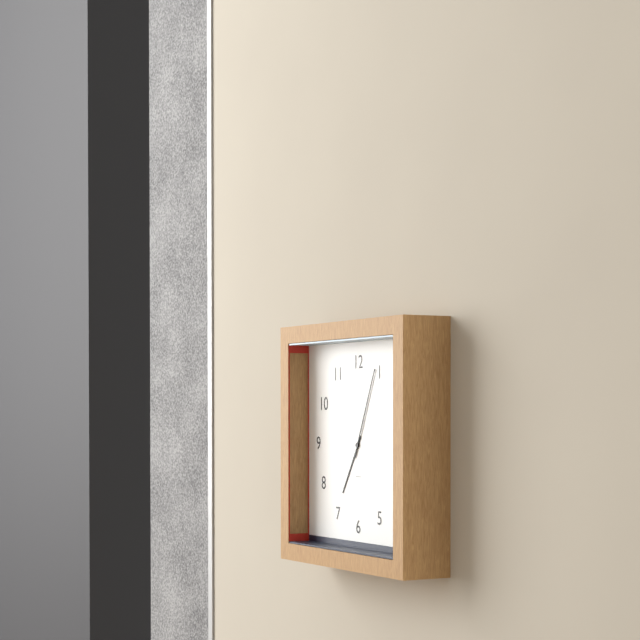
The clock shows 7:04
